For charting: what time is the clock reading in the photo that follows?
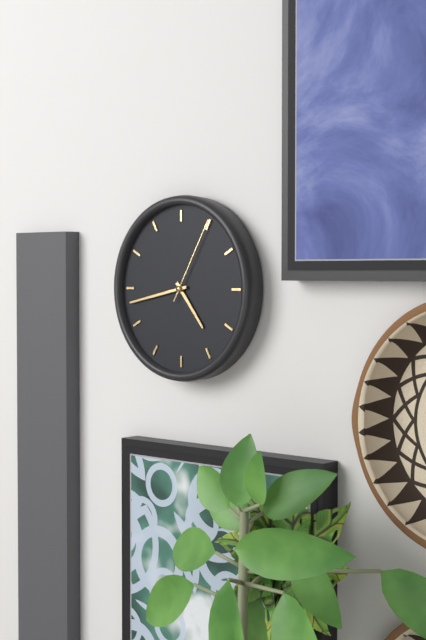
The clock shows 4:43:05
